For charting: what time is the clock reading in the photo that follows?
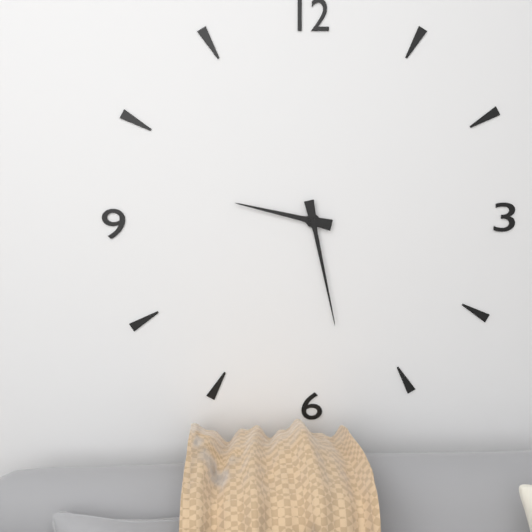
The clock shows 9:28
